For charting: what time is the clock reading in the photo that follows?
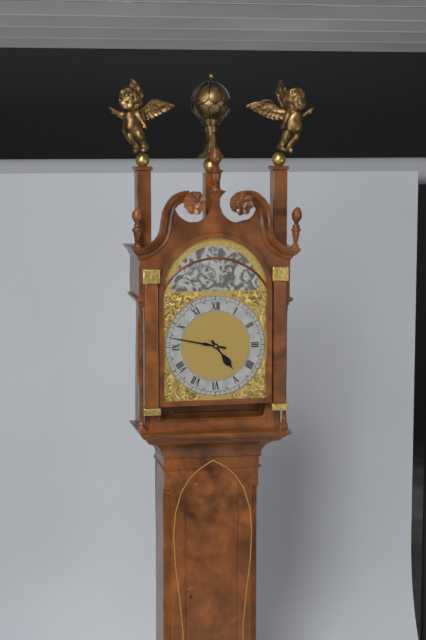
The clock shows 4:47
